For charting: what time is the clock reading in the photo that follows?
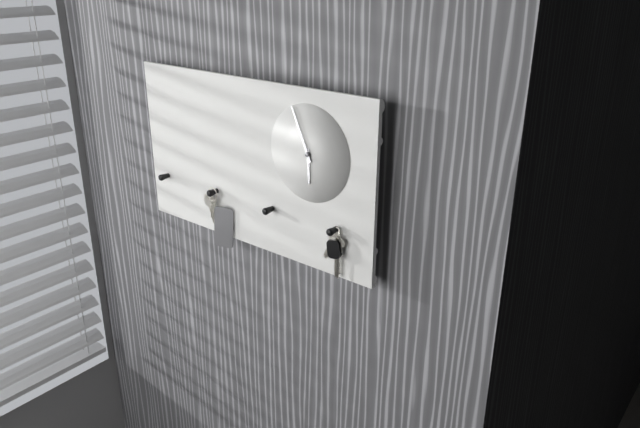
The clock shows 5:56
